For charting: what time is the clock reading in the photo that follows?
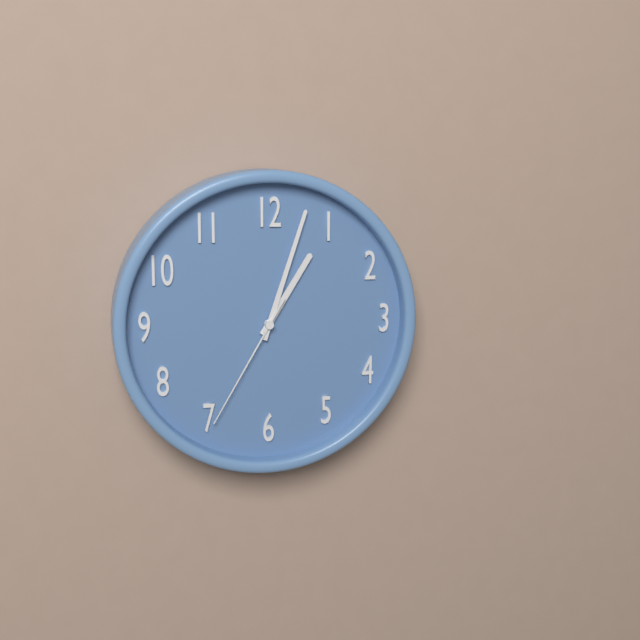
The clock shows 1:03:35
